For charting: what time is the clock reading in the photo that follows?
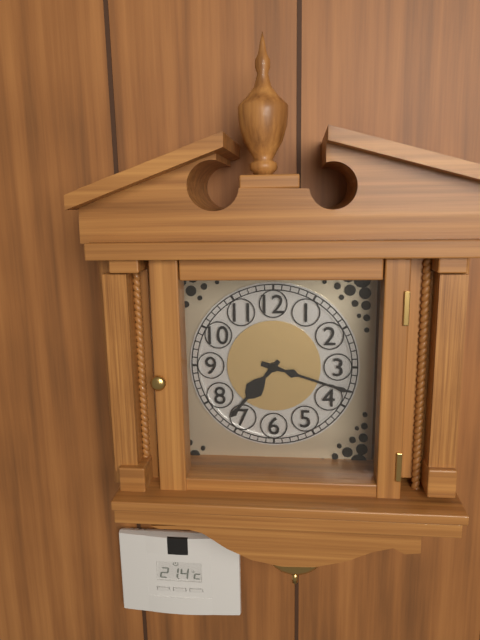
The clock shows 7:18
